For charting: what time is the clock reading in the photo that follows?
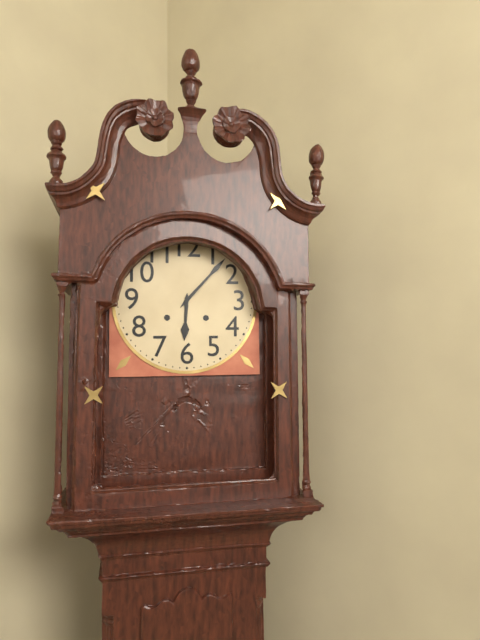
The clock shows 6:07
